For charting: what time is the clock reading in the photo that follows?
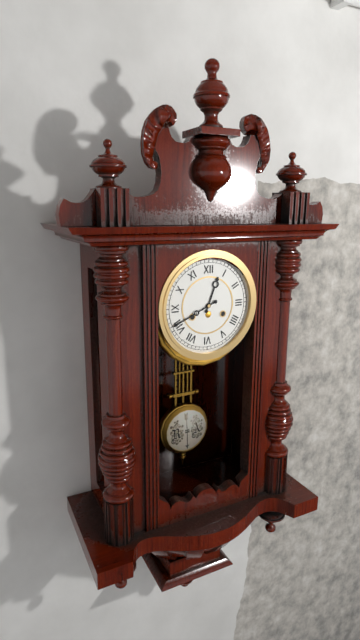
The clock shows 12:41
